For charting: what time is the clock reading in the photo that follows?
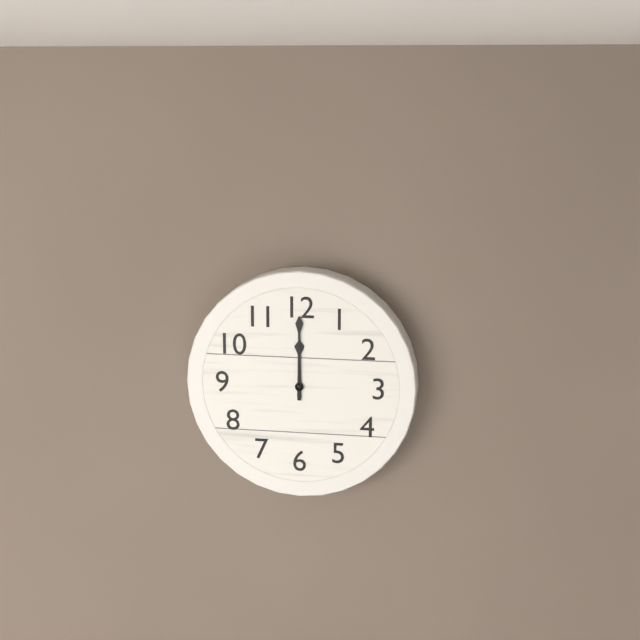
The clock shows 12:00
